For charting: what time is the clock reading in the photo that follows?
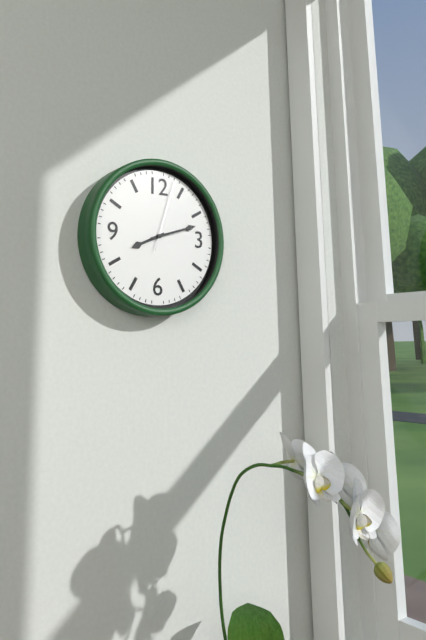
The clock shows 8:12:03
